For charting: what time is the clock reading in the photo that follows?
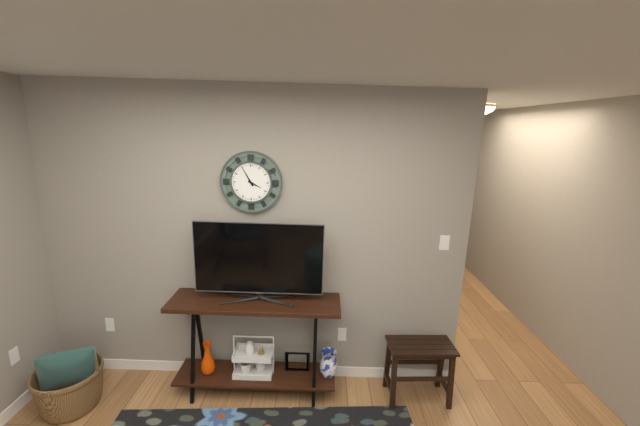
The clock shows 3:55
